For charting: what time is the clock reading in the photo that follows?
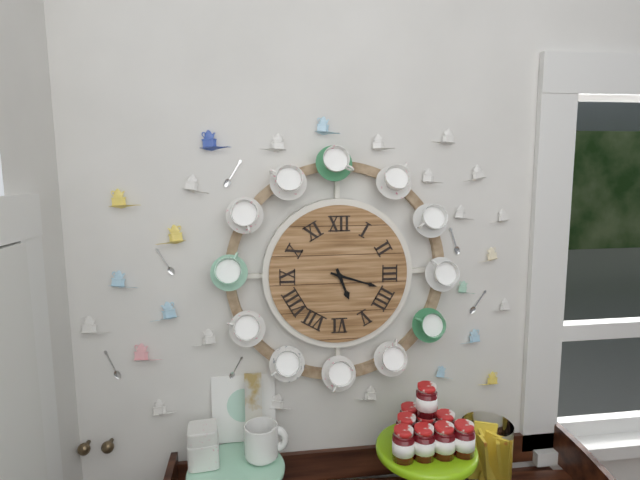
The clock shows 5:18
